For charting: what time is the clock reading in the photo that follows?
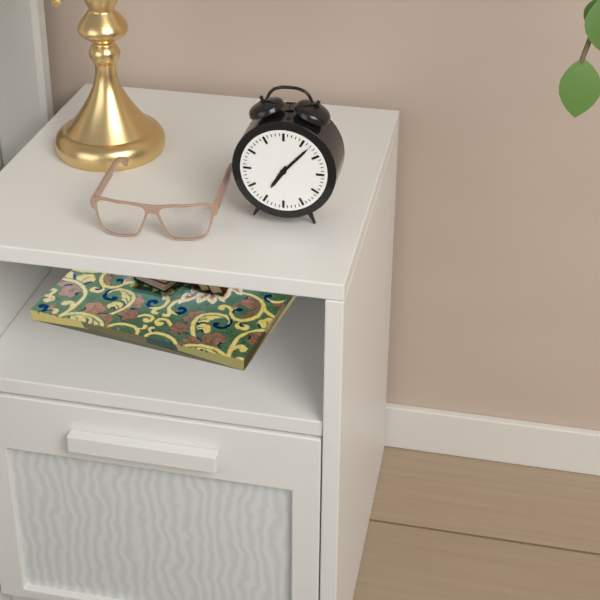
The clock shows 7:07
